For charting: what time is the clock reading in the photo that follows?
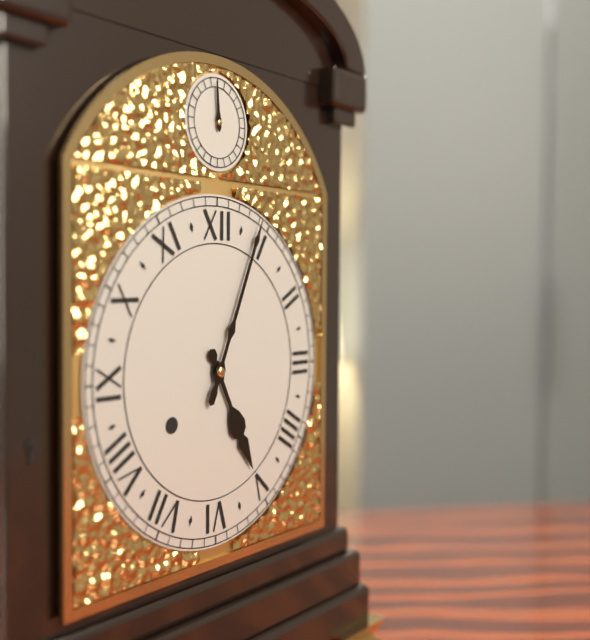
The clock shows 5:04
